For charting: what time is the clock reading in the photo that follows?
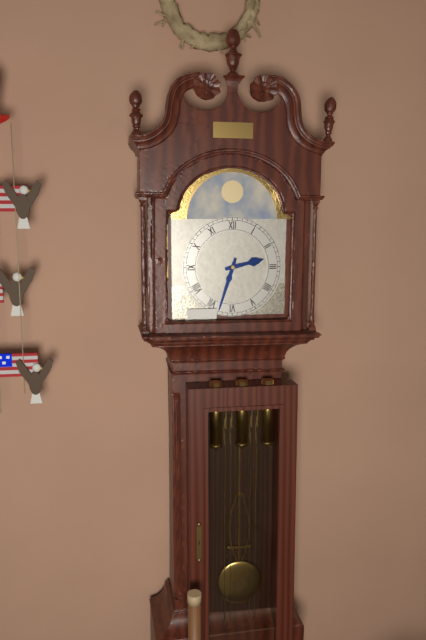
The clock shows 2:33
